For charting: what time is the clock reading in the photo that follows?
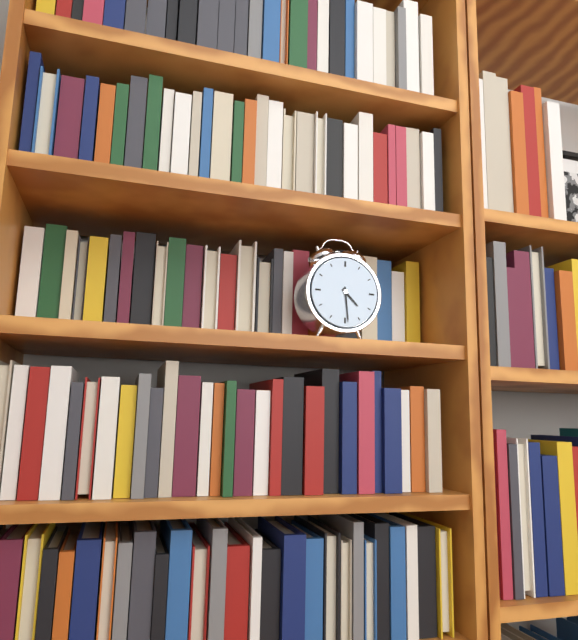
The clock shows 4:29
